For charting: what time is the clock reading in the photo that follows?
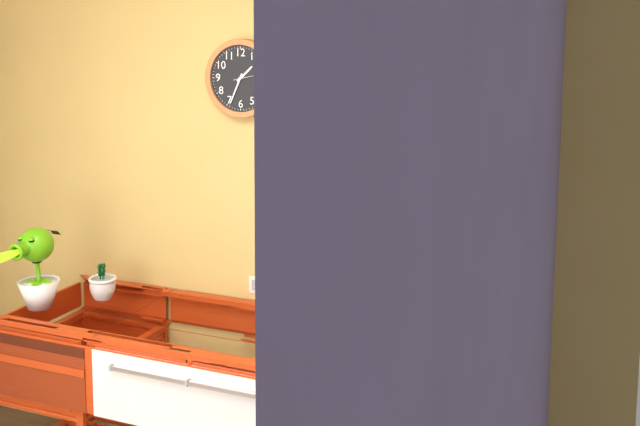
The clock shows 1:34
